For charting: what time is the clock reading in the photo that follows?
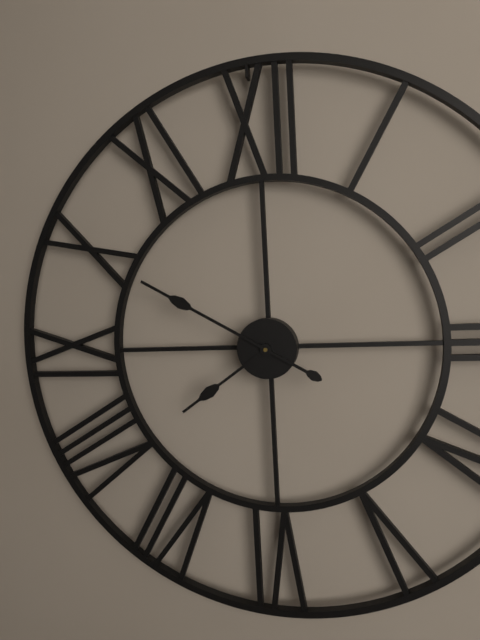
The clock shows 7:50
